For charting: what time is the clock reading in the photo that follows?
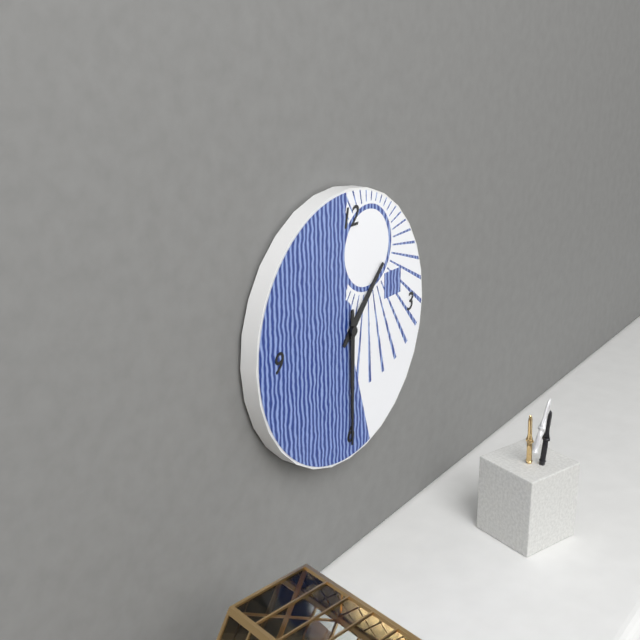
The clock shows 1:30
